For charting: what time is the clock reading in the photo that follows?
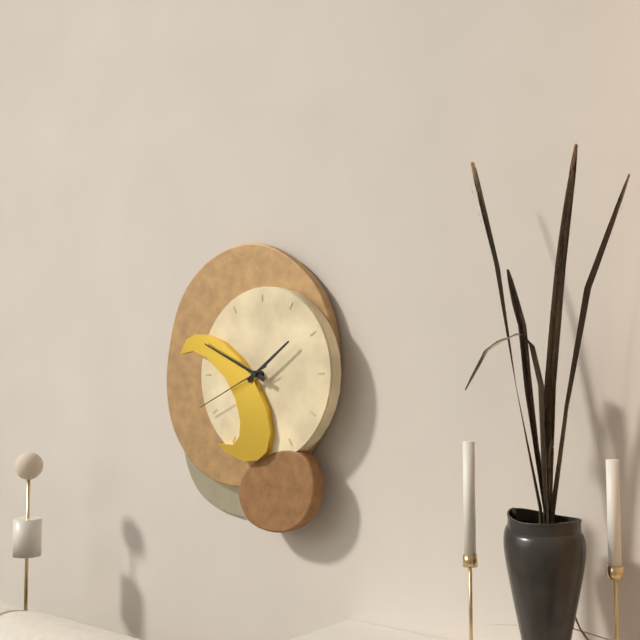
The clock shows 1:49:41
